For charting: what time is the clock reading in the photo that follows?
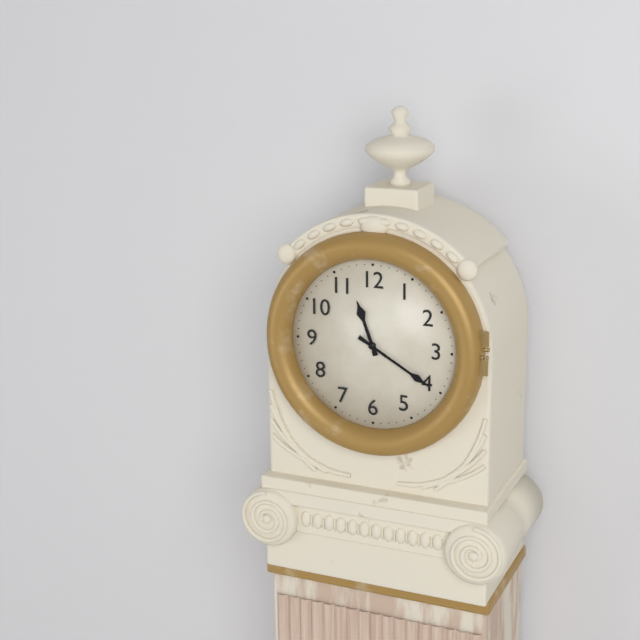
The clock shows 11:20
